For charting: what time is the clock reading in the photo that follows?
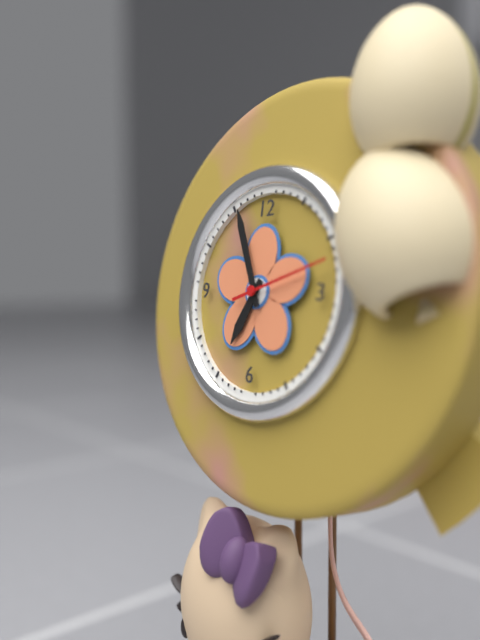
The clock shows 6:56:12
